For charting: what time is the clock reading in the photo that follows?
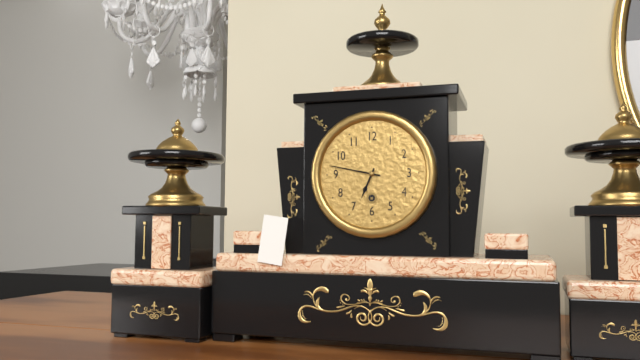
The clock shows 6:47
